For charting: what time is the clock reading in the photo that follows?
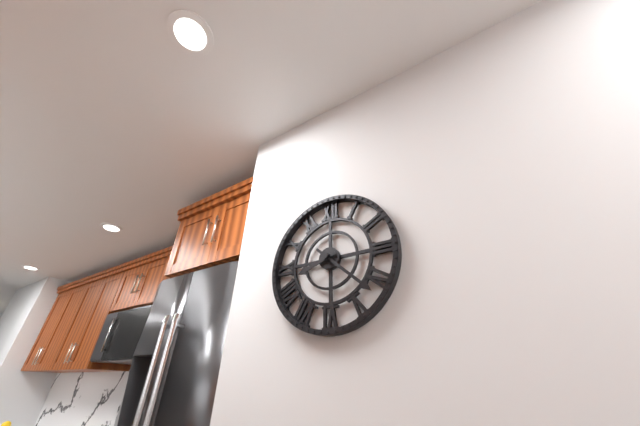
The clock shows 8:22
